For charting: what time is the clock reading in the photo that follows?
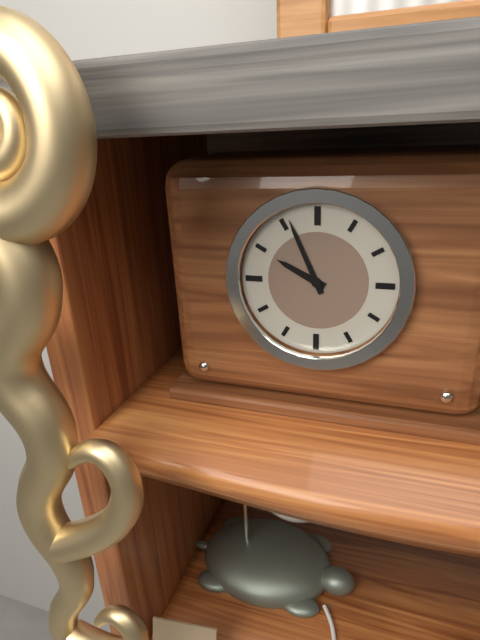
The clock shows 9:56
